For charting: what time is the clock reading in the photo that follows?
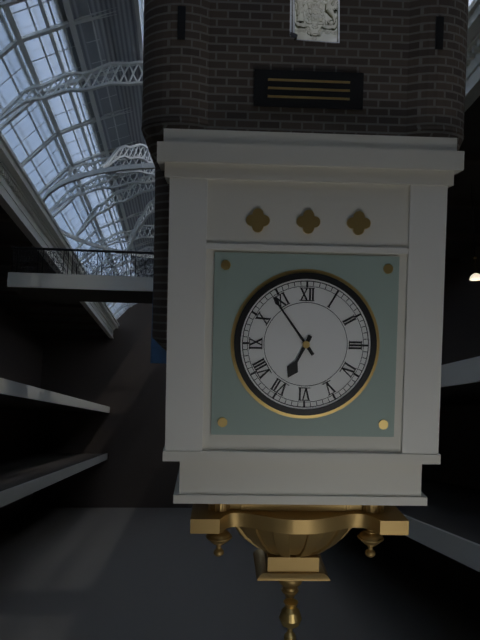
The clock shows 6:54
